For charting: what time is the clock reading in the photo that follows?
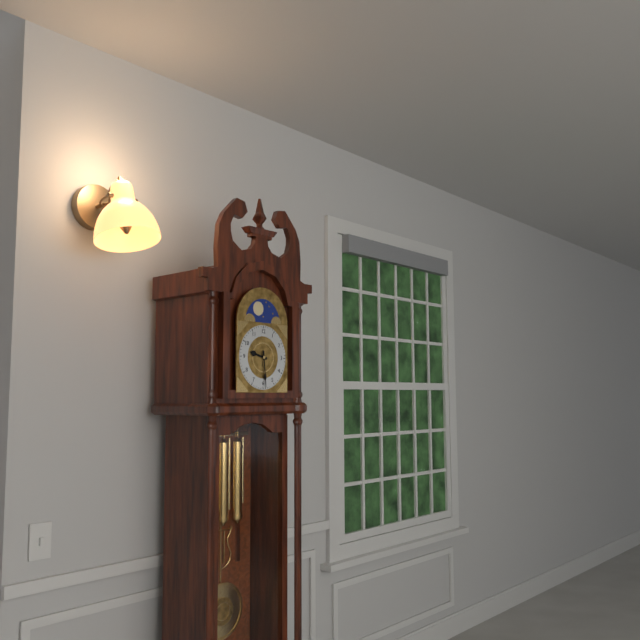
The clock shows 9:29
